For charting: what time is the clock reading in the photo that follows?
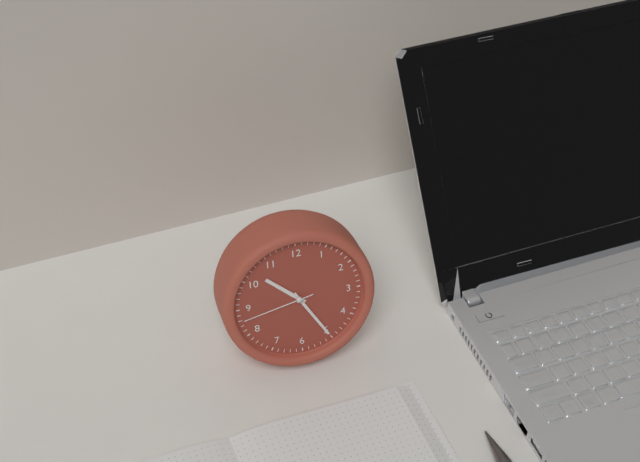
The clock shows 10:25:43
